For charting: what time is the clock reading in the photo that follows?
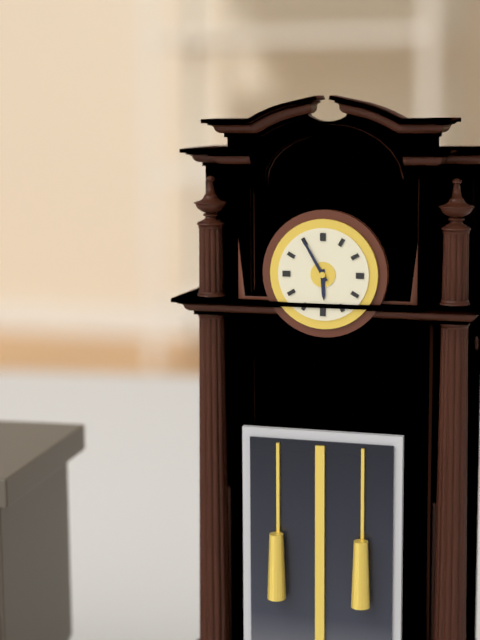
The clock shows 5:55
